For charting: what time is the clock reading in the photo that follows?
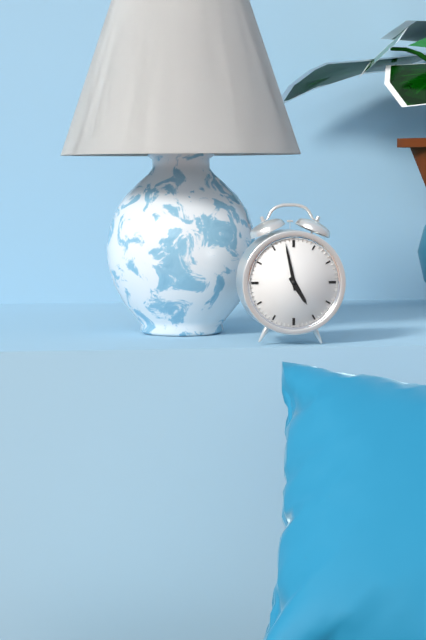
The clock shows 4:58
